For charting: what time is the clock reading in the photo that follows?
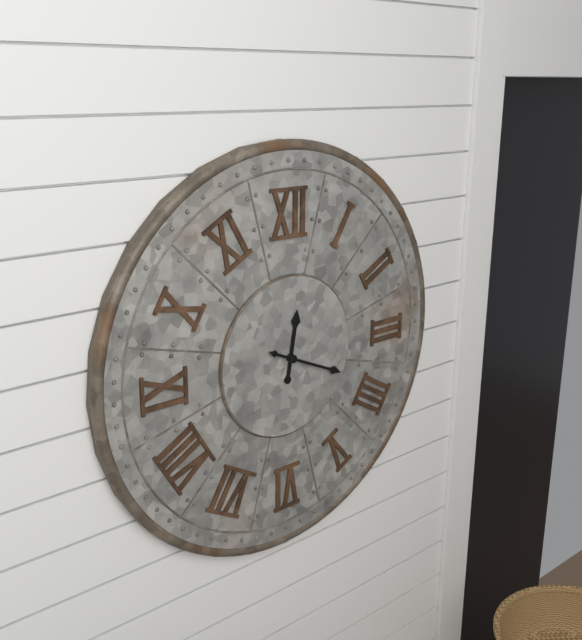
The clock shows 12:19
